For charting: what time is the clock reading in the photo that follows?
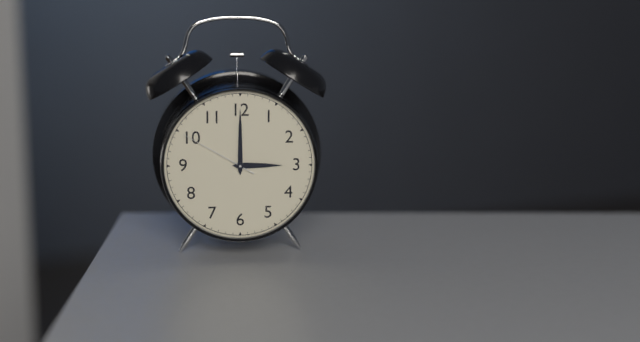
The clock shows 3:00:50
